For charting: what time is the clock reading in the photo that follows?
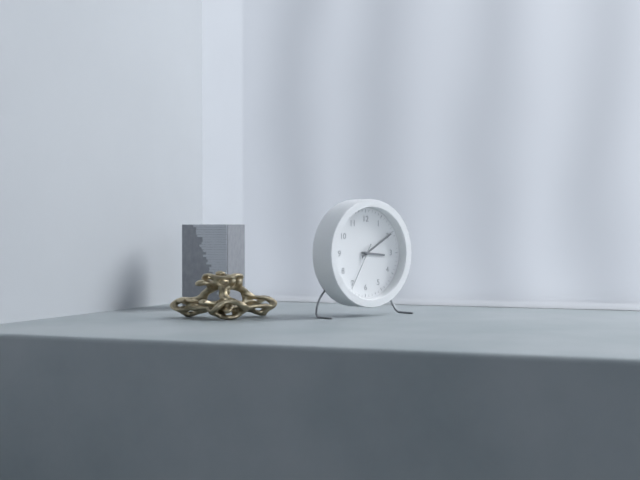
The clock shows 3:10
